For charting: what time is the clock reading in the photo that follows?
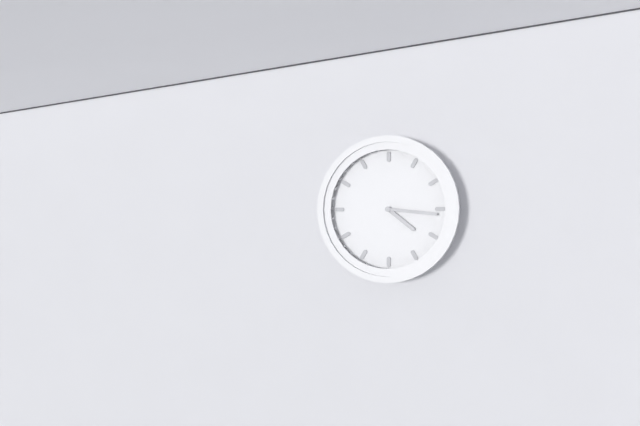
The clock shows 4:16
